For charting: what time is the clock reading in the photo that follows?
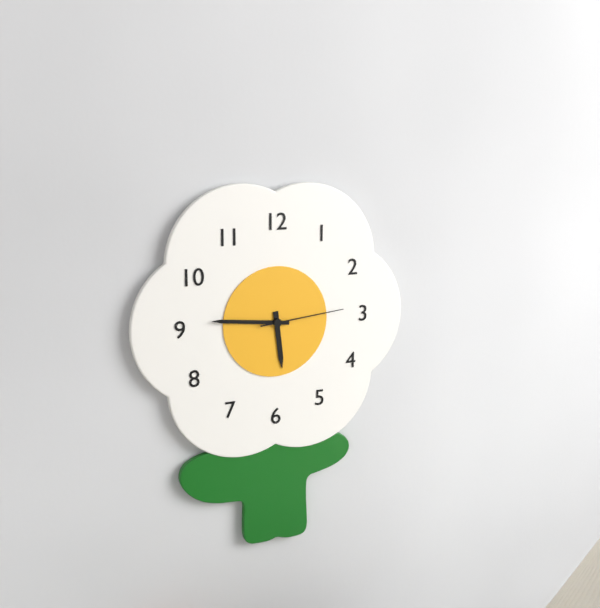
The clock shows 5:46:14
